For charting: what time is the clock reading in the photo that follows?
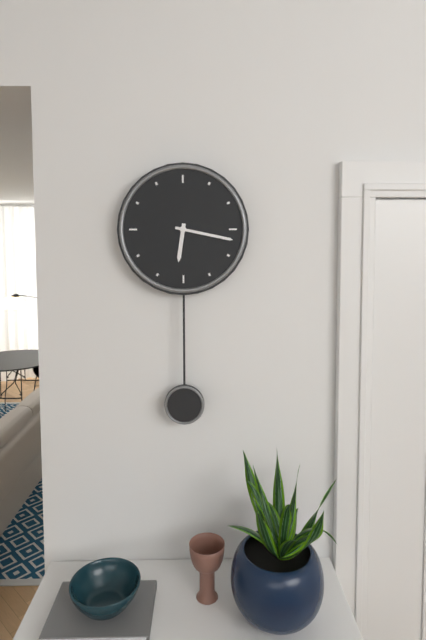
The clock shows 6:17
